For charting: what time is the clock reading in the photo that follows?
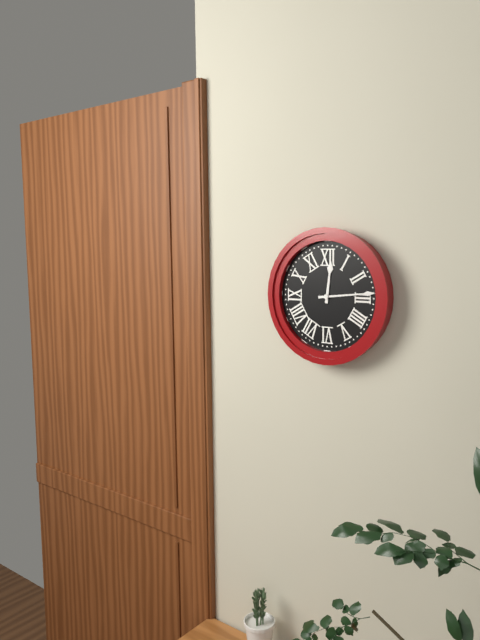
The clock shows 12:14
